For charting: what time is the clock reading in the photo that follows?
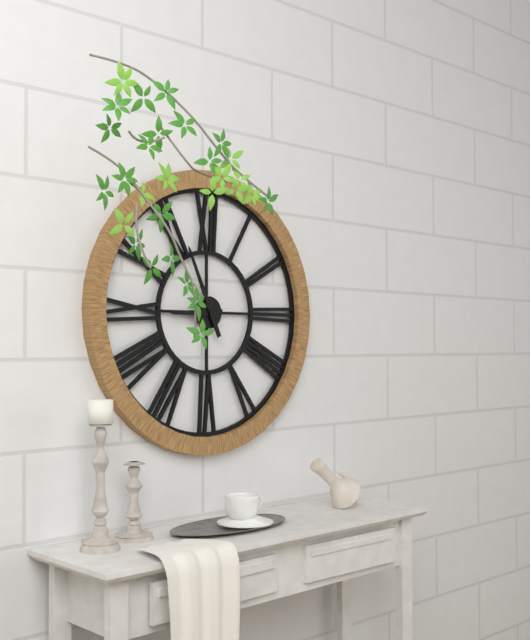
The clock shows 8:56
